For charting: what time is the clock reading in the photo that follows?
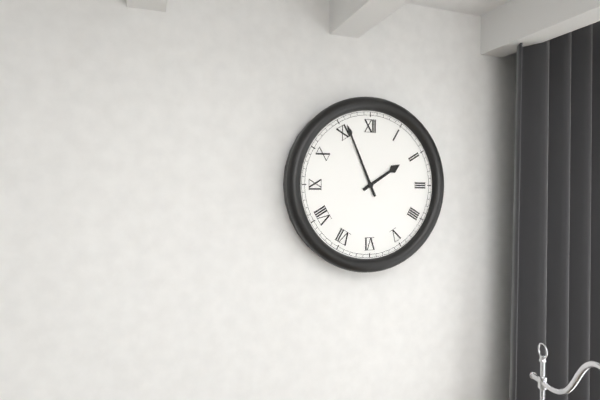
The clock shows 1:56
